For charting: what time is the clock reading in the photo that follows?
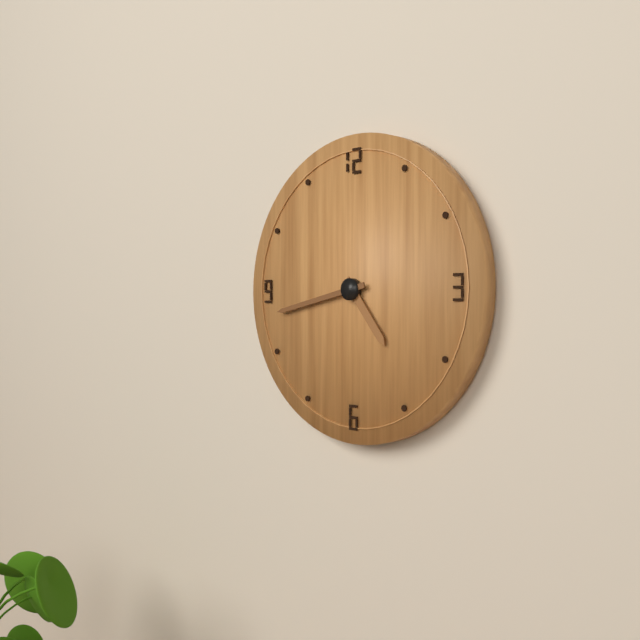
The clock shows 4:43
